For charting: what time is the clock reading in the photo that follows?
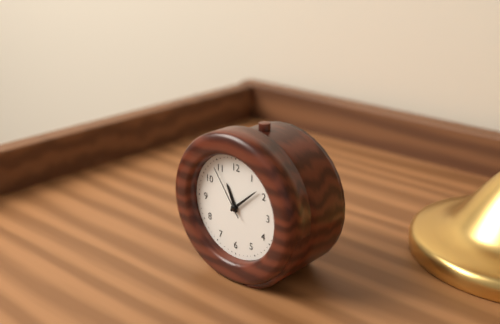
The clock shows 11:08:54
